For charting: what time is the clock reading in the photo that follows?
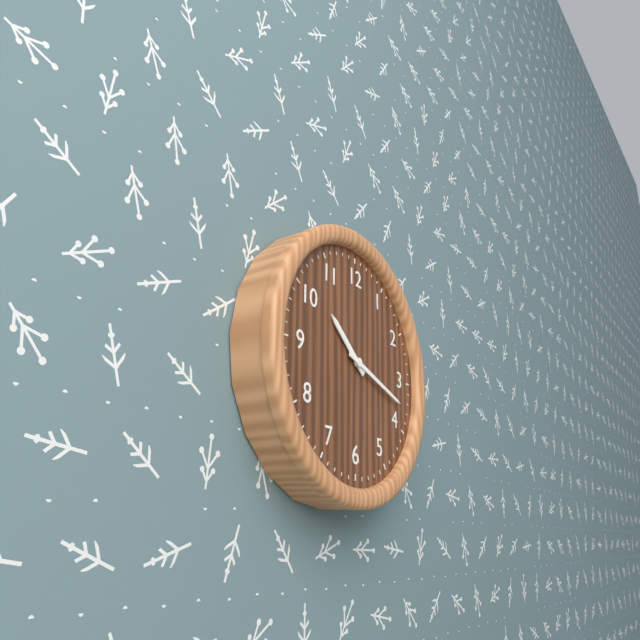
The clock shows 10:18
